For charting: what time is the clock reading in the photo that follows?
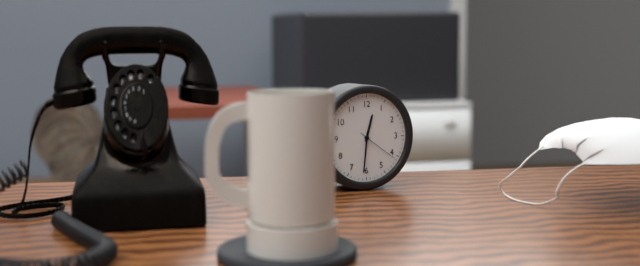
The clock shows 12:31
